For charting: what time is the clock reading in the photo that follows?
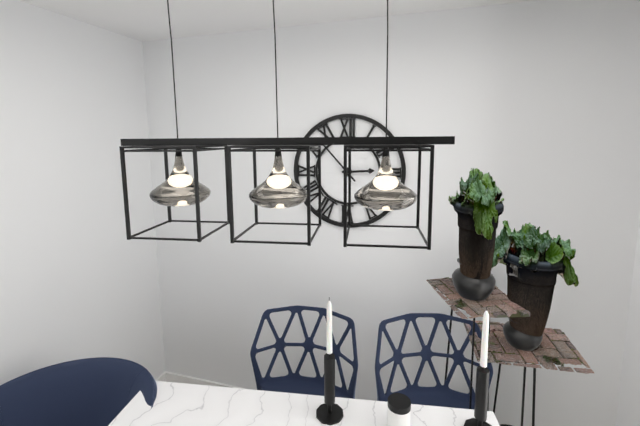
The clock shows 2:53
